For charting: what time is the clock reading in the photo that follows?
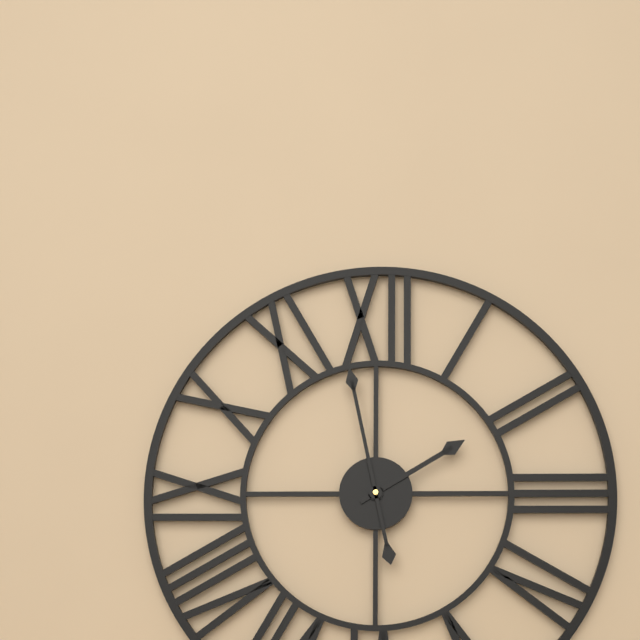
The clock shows 1:58
